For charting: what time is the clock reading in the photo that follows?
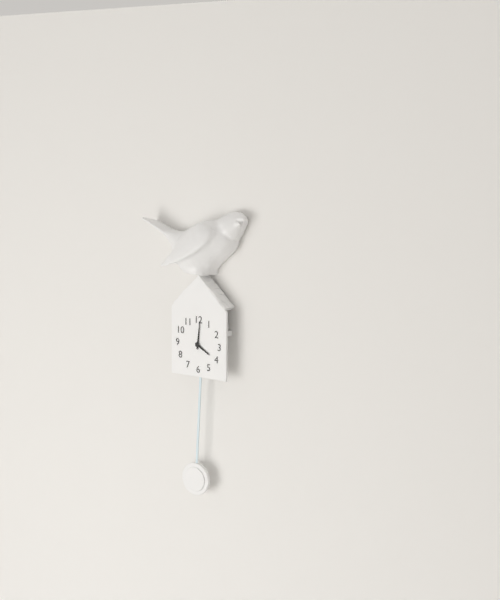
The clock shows 4:01
